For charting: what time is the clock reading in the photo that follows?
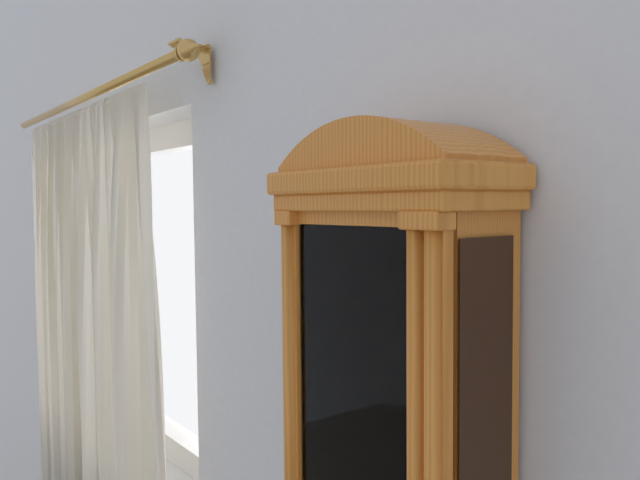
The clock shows 7:23
